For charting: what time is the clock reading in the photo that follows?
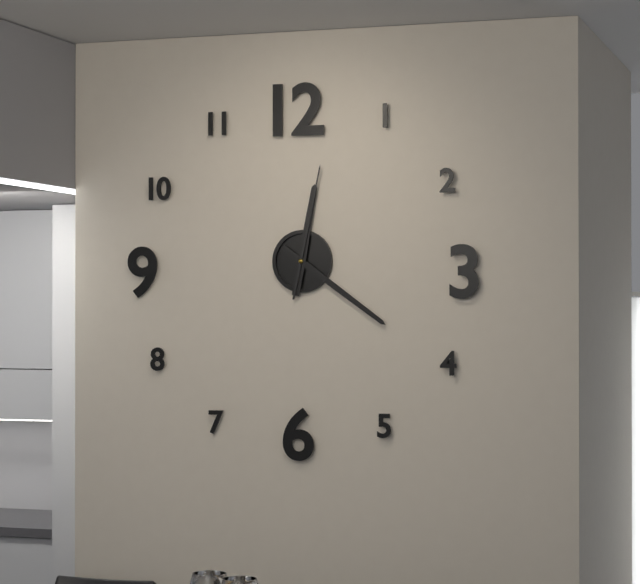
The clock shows 12:21:02
